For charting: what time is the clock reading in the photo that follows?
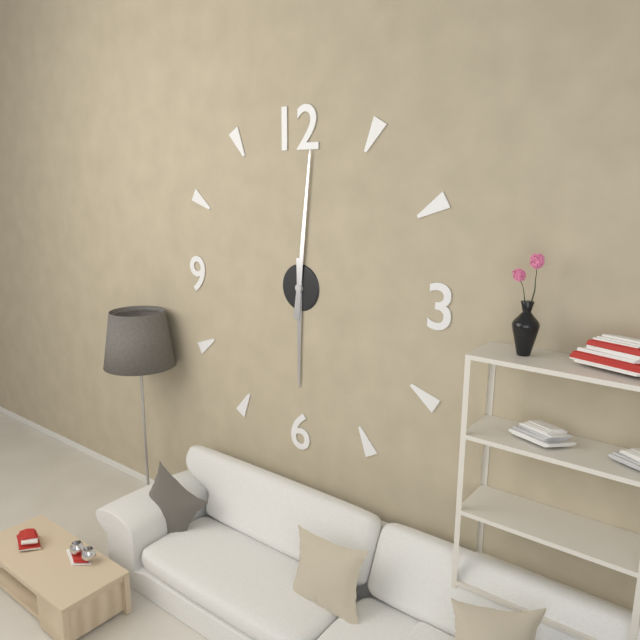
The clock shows 6:01
